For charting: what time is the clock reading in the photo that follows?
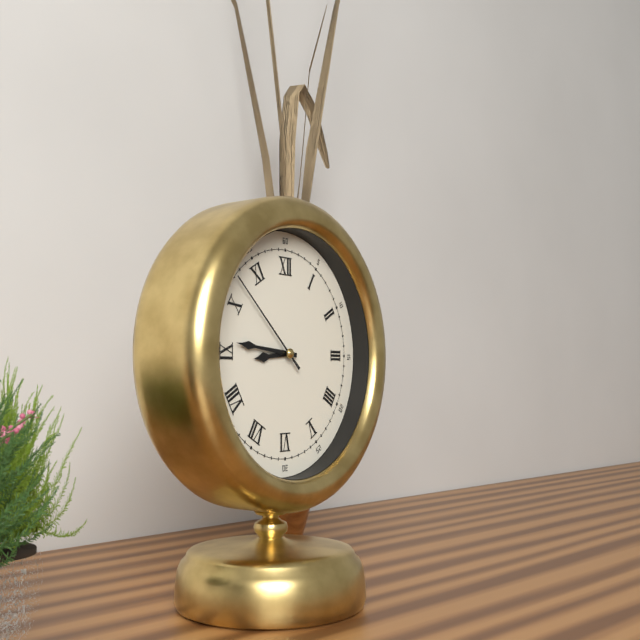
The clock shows 8:46:52
